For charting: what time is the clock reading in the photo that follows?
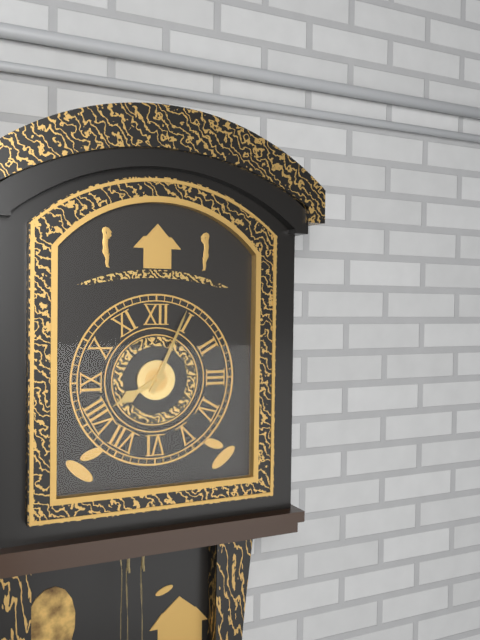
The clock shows 8:04
